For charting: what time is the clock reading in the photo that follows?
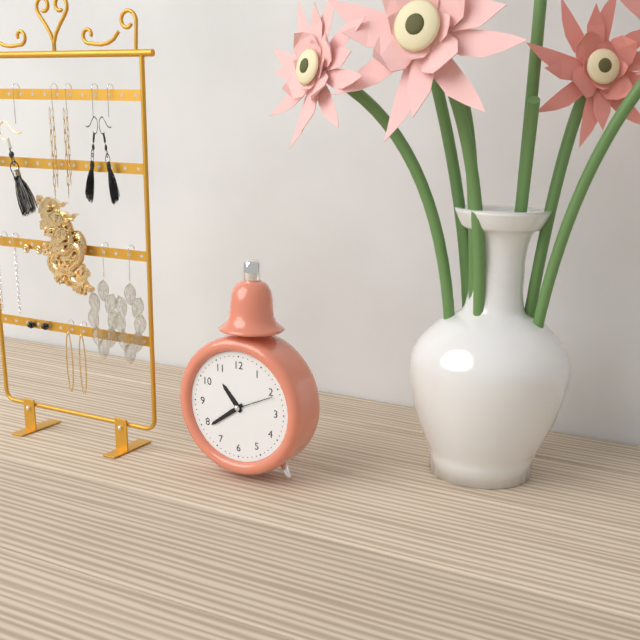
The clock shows 10:39
